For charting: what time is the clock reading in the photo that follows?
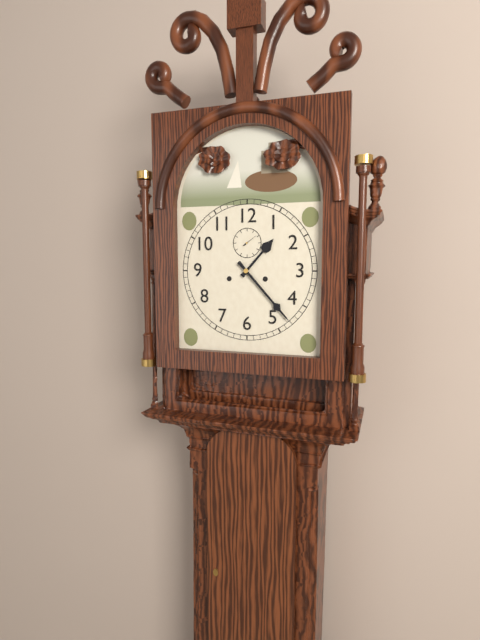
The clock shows 1:23
